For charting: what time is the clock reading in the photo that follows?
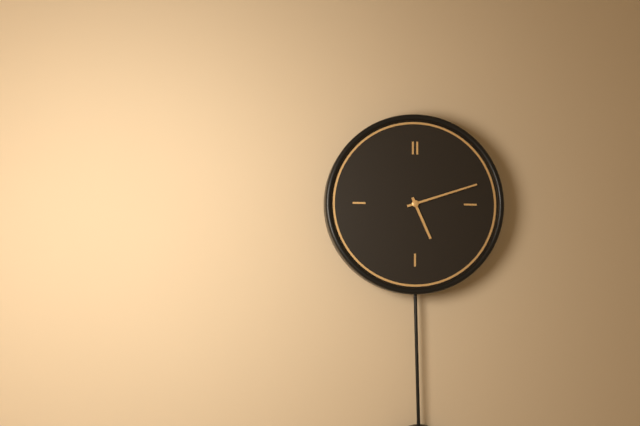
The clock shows 5:12
